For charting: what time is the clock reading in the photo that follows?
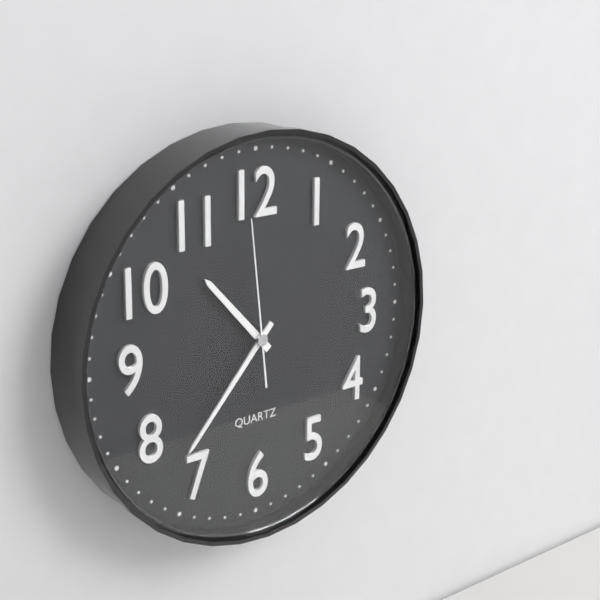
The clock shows 10:37:59
